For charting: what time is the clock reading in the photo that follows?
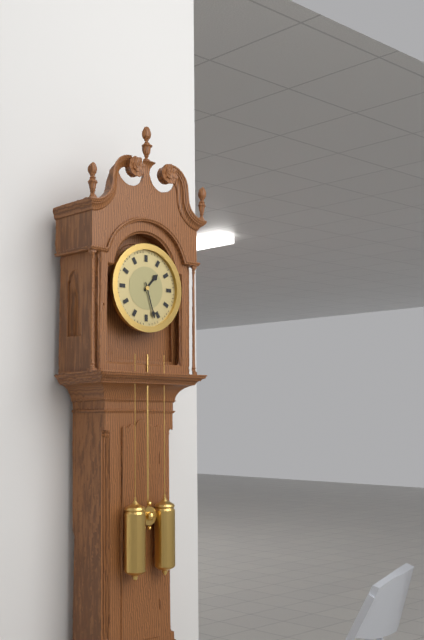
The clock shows 1:27
